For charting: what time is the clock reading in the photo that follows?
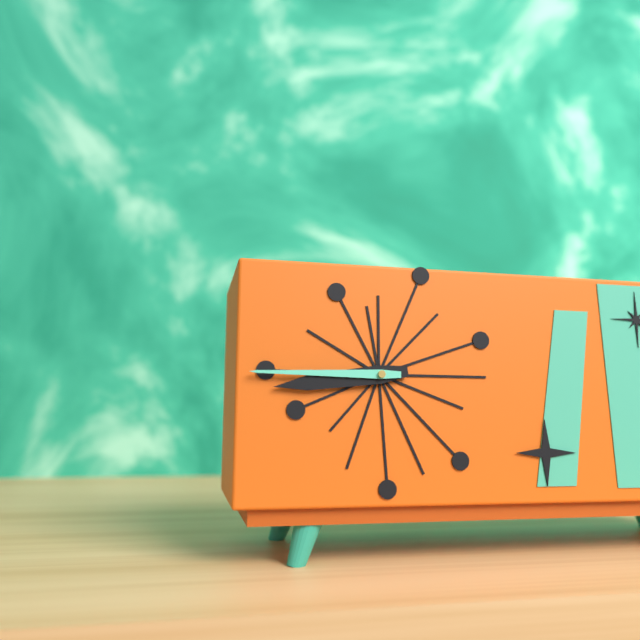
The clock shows 8:45
